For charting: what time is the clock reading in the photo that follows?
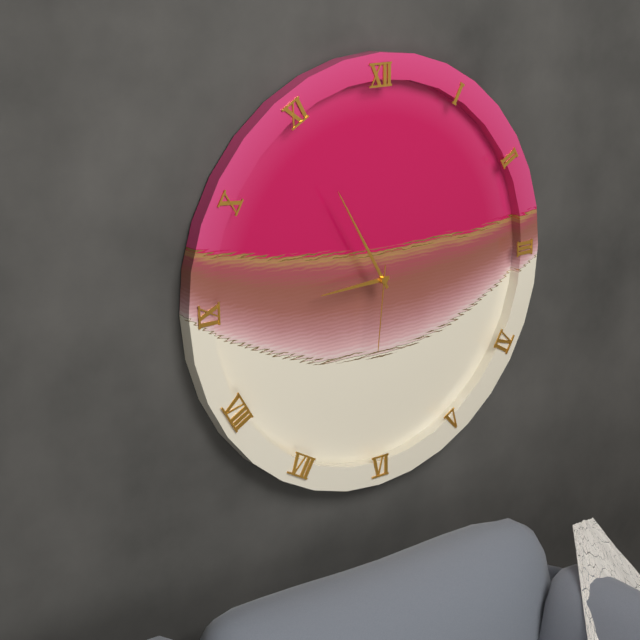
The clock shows 8:55:31
